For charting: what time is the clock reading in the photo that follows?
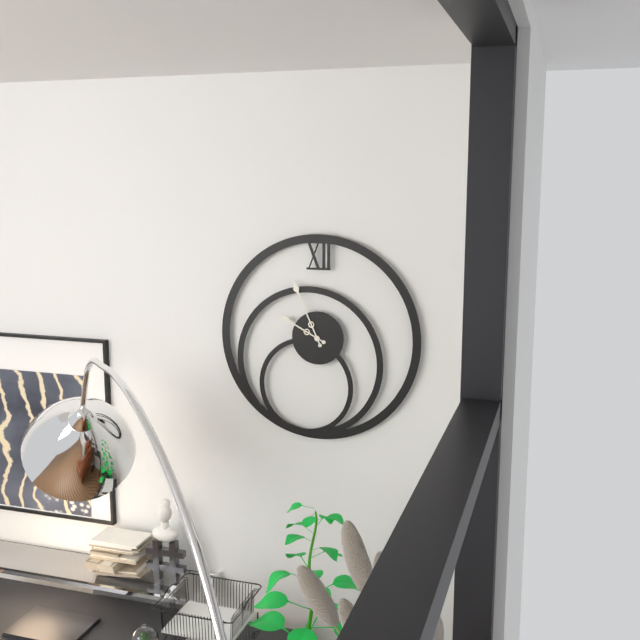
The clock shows 9:56
